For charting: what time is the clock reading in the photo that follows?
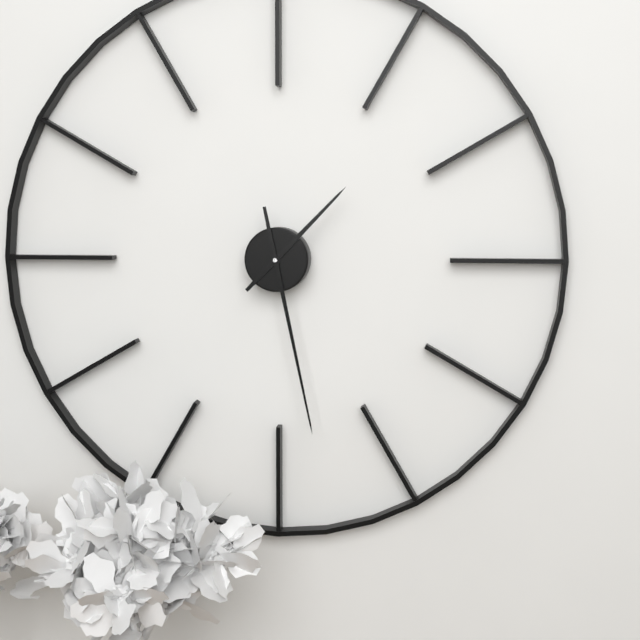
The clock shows 1:28
